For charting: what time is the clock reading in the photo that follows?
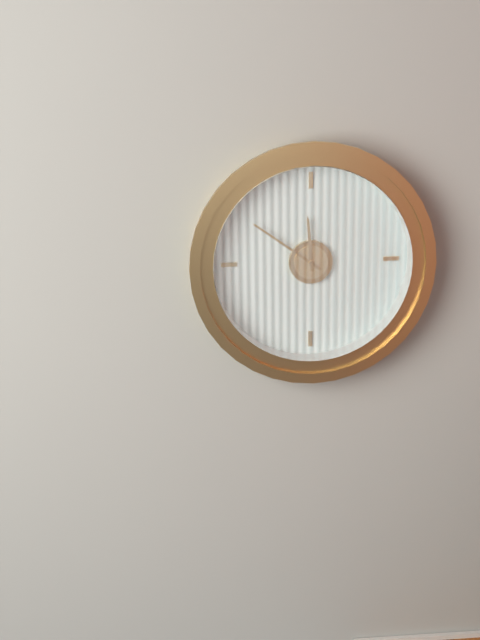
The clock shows 11:51
